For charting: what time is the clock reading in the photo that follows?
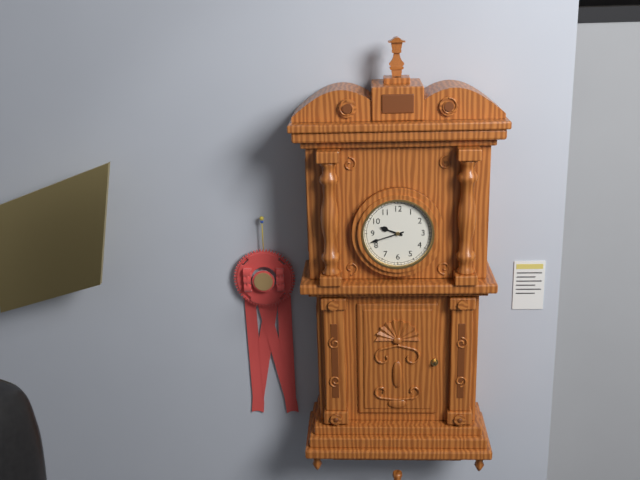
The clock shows 9:42
